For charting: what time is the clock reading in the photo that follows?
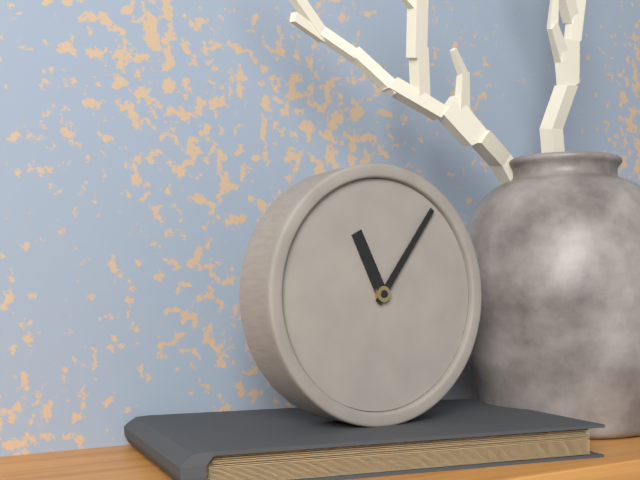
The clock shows 11:06
